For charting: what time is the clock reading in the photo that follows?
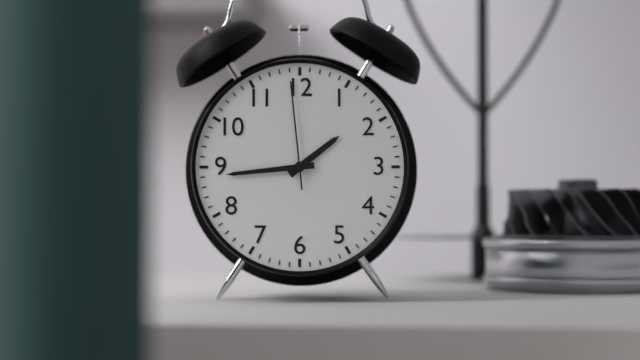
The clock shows 1:44:59
